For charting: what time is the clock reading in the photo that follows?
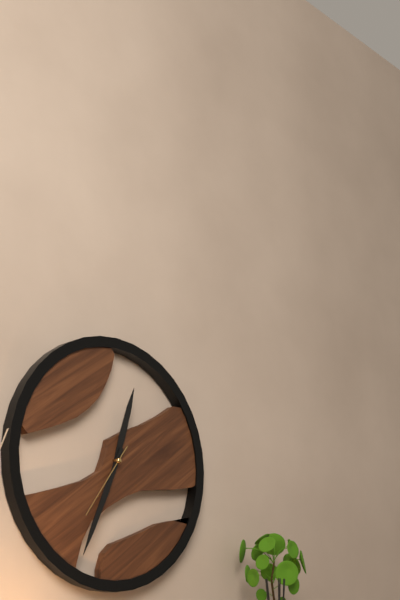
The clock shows 12:34:36
